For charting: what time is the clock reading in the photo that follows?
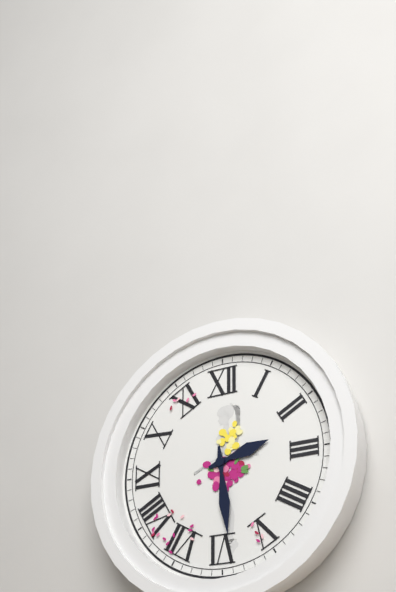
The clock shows 2:29
